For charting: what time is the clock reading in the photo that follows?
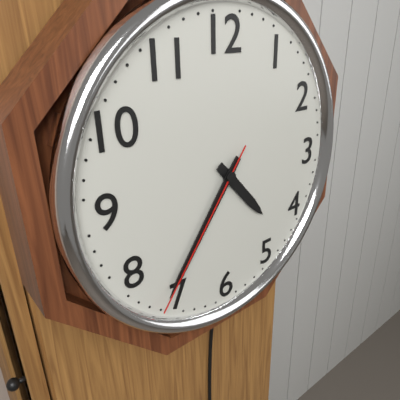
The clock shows 4:36:36
